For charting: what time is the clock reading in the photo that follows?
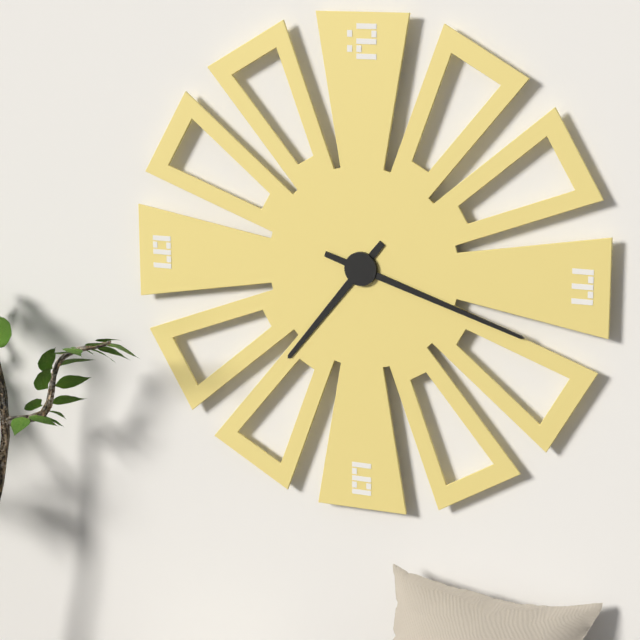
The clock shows 7:18
